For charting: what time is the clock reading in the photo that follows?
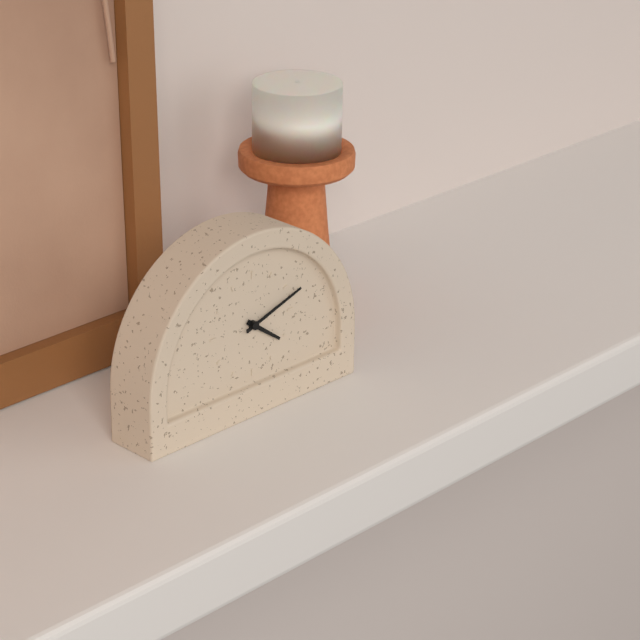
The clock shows 4:12
